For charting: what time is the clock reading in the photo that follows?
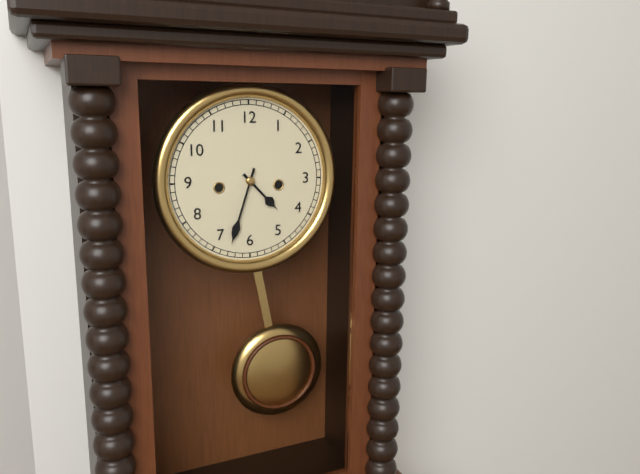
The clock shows 4:33
